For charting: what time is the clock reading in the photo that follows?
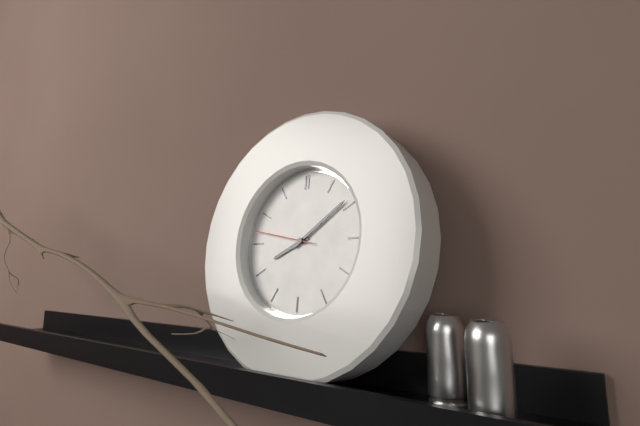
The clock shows 8:09:47
